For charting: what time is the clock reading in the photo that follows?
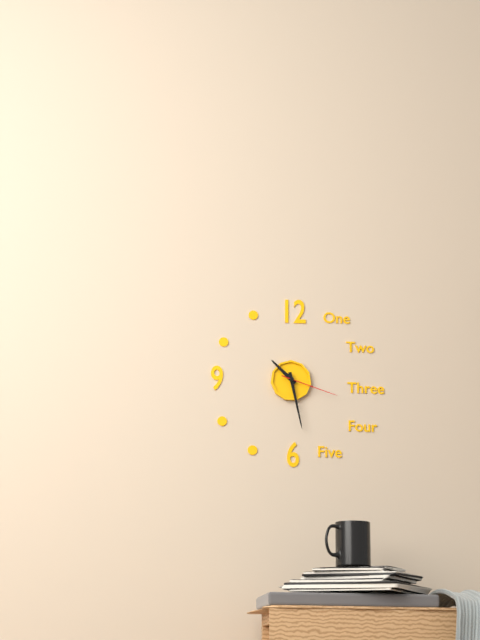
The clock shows 10:28:18
